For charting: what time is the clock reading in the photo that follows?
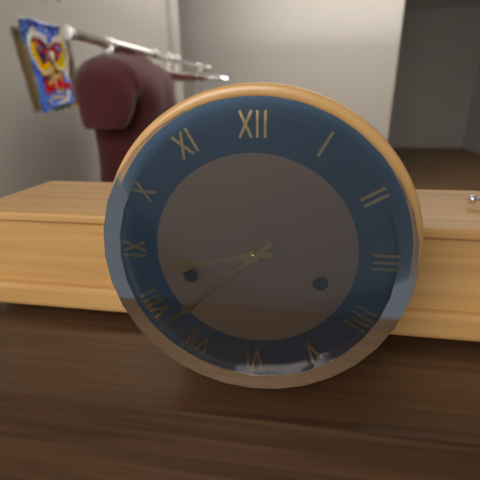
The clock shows 8:38
